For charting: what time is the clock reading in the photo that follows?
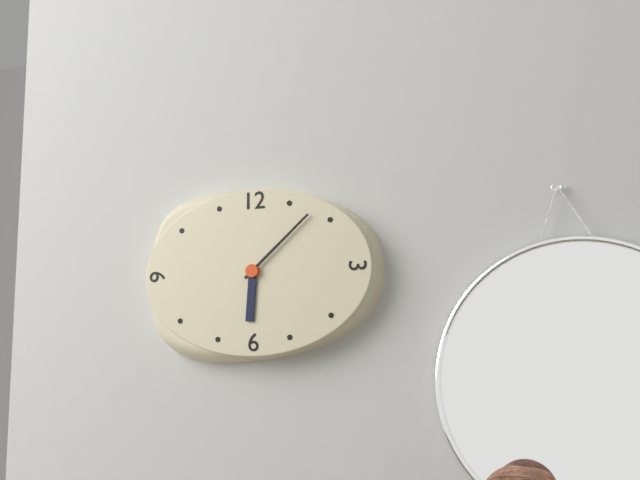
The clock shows 6:08
